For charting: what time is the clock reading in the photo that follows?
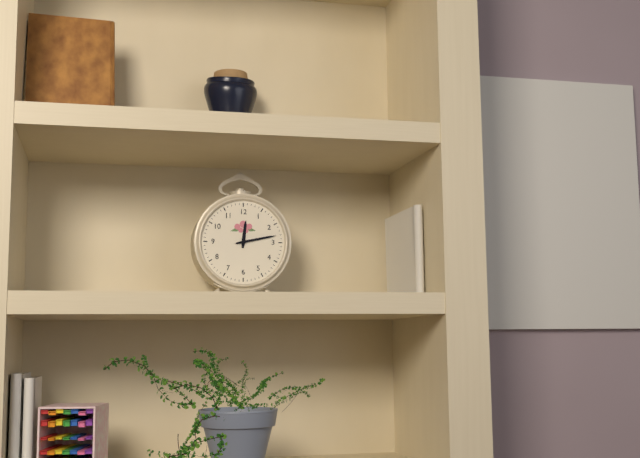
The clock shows 12:13
